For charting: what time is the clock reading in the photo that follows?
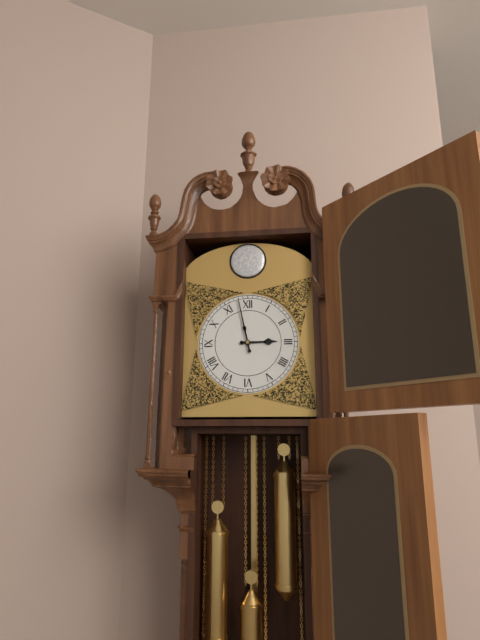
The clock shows 2:58
